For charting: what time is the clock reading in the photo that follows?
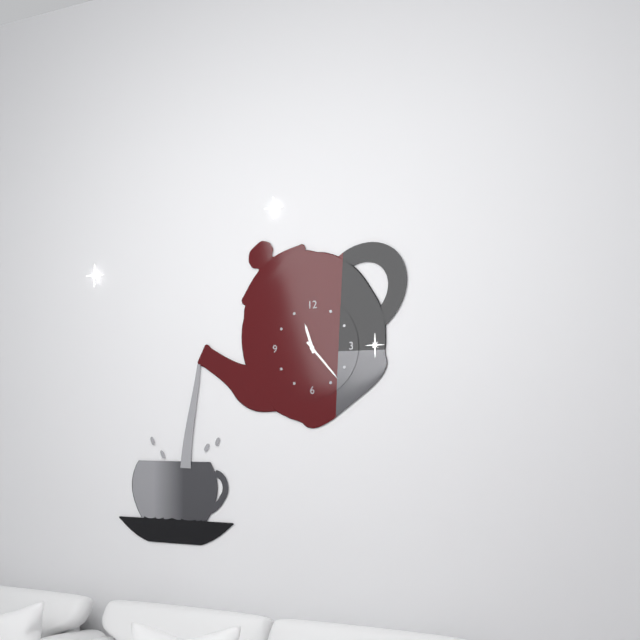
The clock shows 11:23
